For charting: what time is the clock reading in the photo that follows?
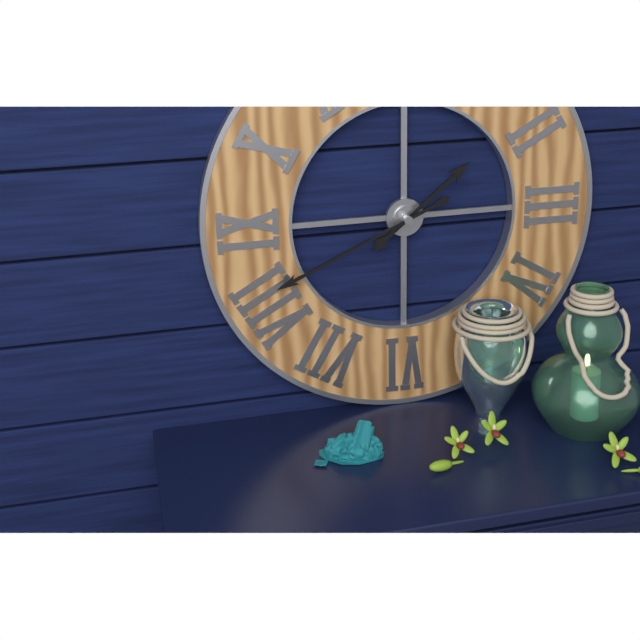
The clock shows 1:41
